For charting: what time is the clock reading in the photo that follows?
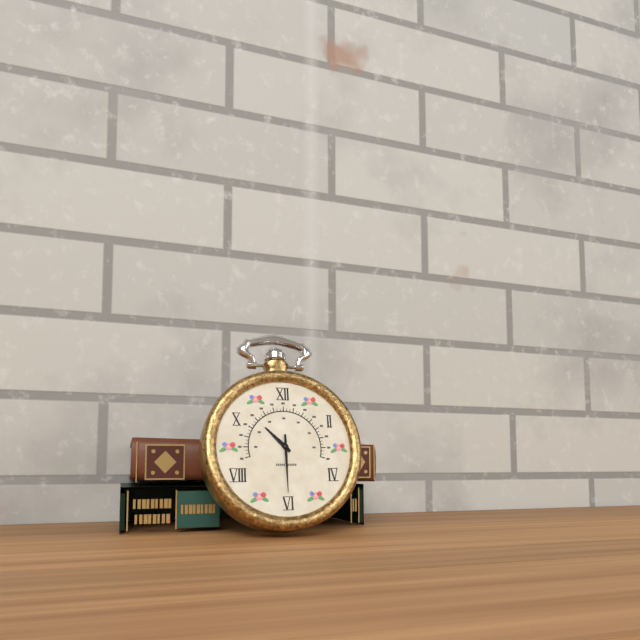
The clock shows 10:30
